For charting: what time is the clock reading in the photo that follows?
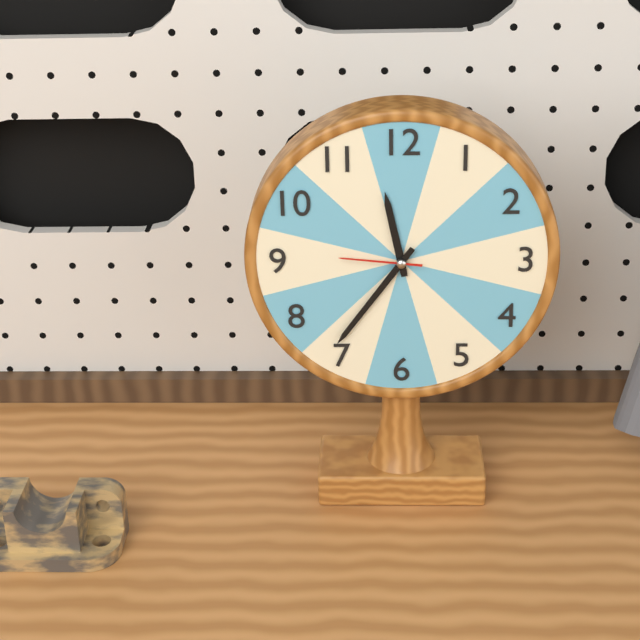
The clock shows 11:36:46
